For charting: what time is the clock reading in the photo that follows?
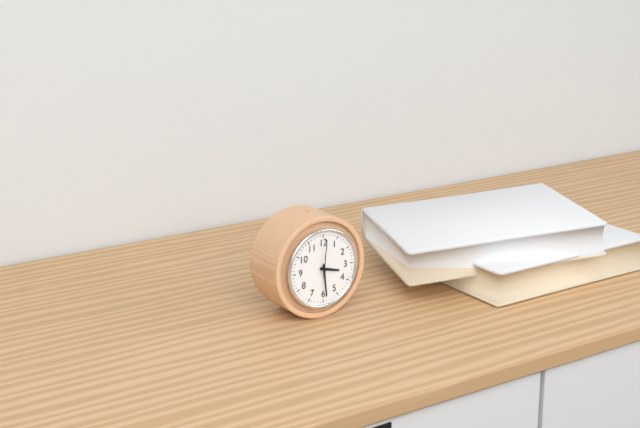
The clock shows 3:29
